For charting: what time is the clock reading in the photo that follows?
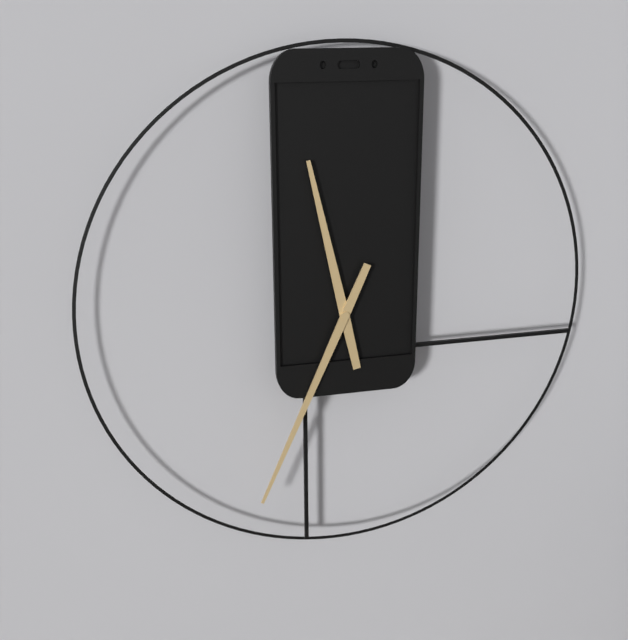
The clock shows 11:34
